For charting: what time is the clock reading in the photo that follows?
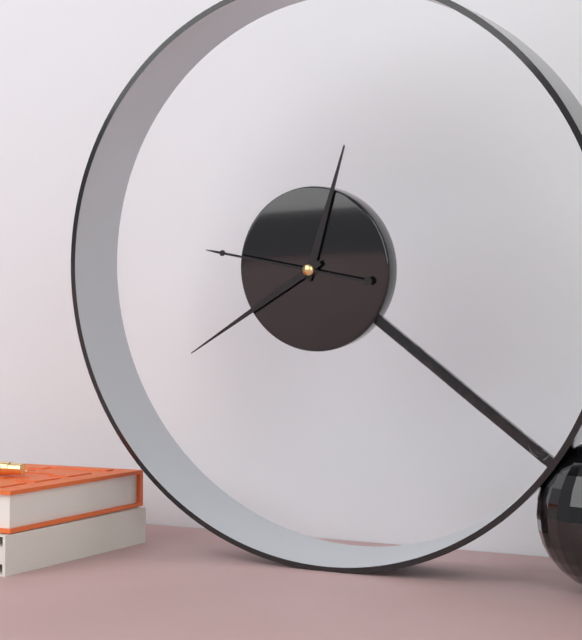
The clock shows 12:40:47
